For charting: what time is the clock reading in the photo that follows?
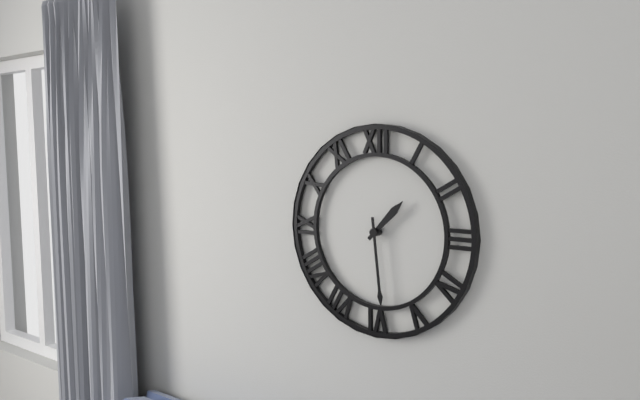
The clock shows 1:29
